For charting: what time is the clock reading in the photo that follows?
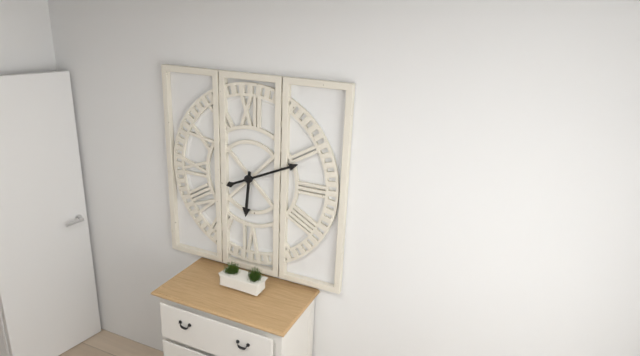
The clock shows 6:11
